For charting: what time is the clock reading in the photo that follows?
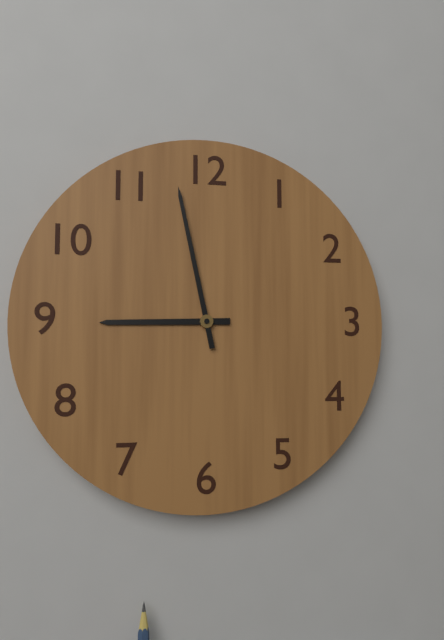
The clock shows 8:58
